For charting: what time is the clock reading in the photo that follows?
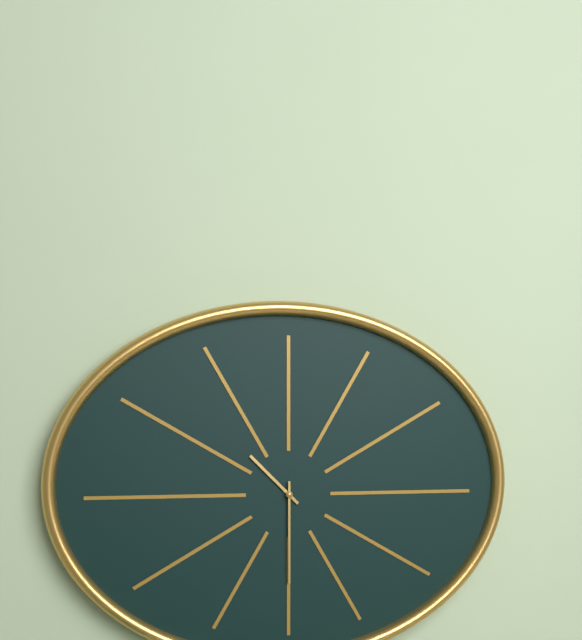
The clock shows 10:30
